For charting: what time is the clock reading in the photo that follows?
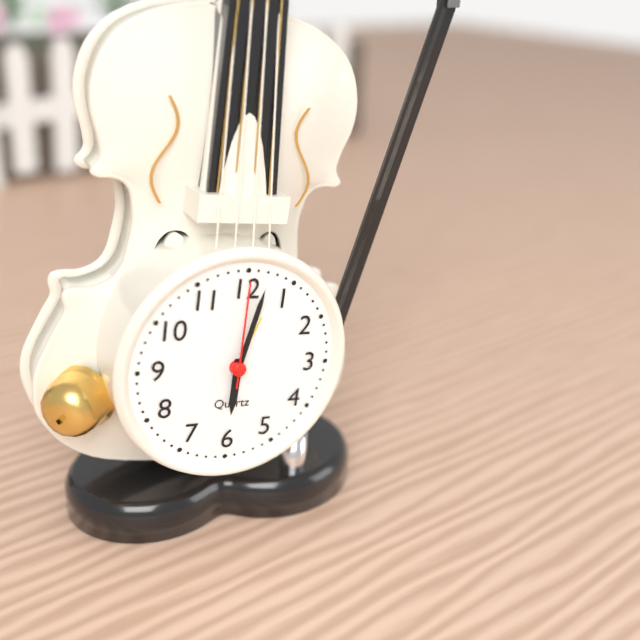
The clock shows 6:02:00
